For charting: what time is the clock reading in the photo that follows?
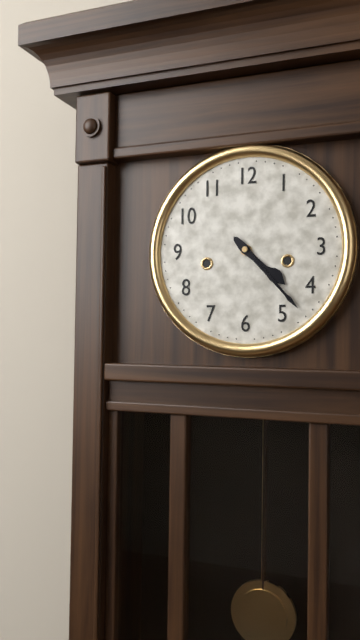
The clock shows 4:23
